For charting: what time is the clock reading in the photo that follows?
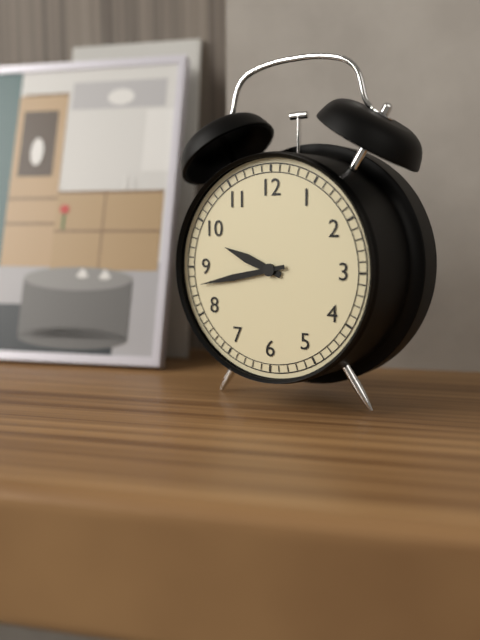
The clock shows 9:43
